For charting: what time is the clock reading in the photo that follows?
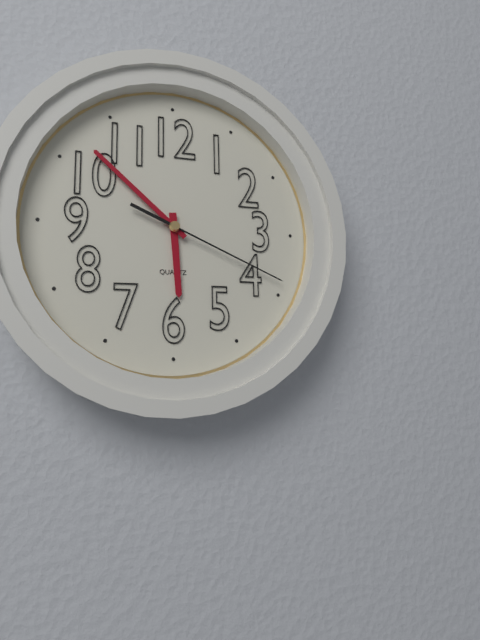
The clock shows 5:52:19
